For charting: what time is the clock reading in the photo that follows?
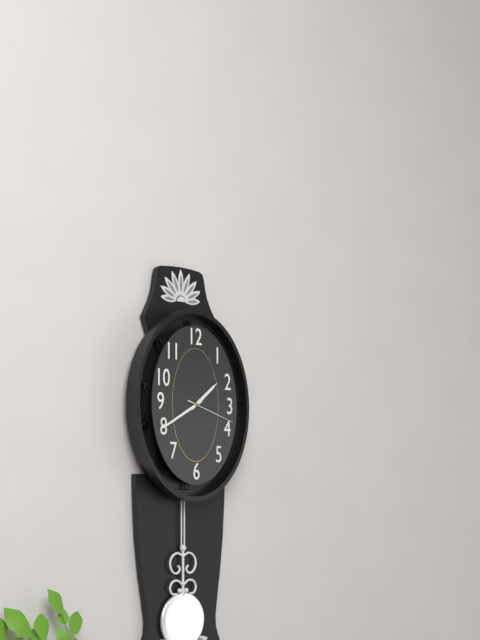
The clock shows 1:40:18
